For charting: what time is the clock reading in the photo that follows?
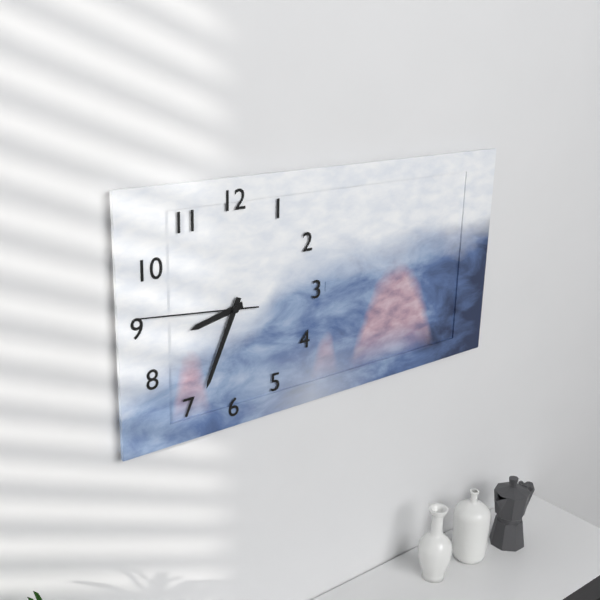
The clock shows 8:34:46
